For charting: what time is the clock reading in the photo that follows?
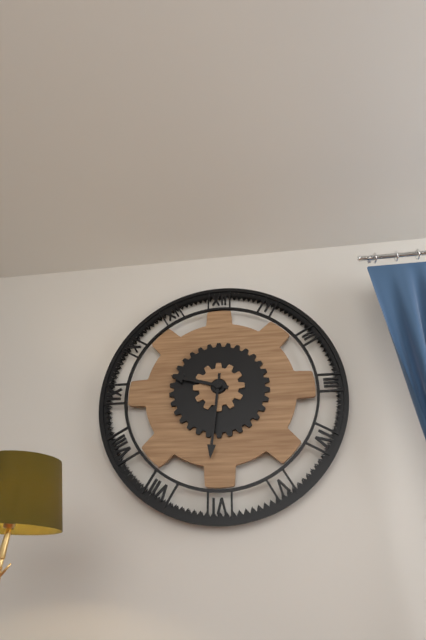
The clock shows 9:31
